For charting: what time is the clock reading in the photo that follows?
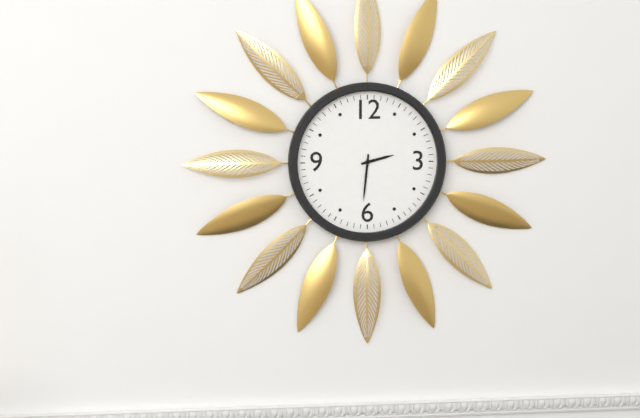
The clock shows 2:31
